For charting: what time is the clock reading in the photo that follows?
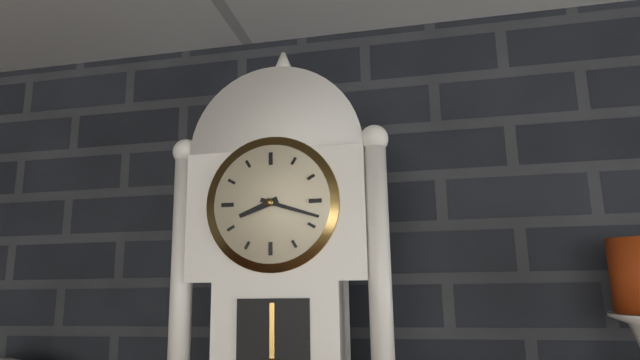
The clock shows 8:18
